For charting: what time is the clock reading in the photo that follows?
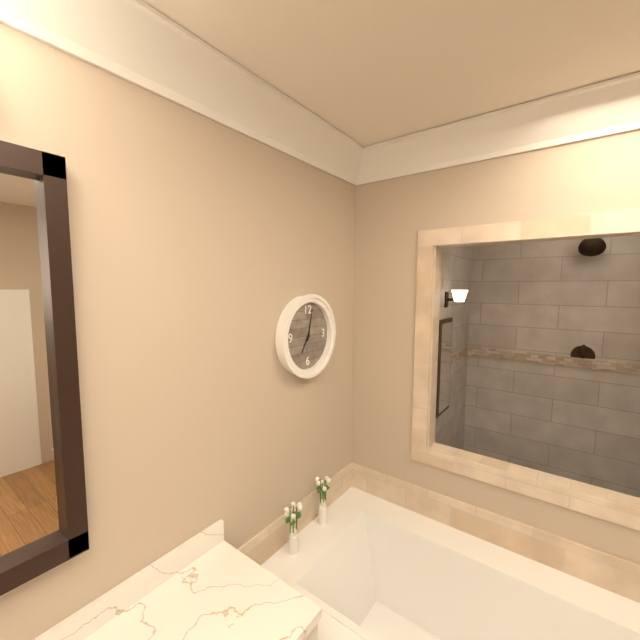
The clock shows 7:02
